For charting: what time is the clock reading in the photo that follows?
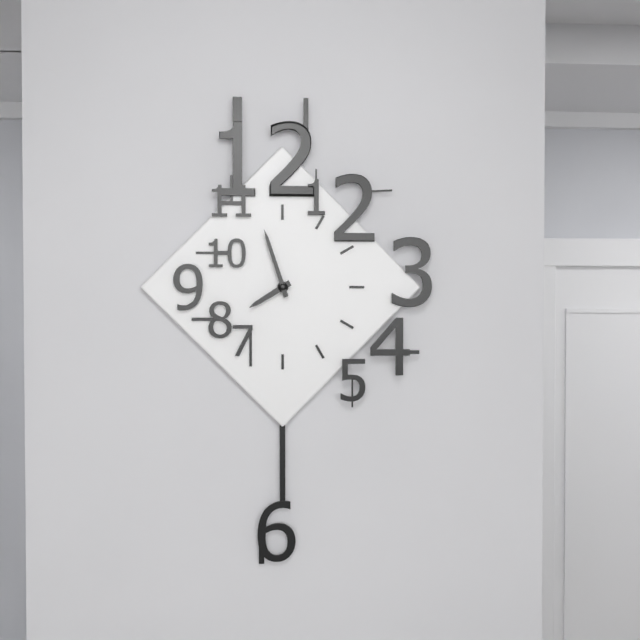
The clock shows 7:57
